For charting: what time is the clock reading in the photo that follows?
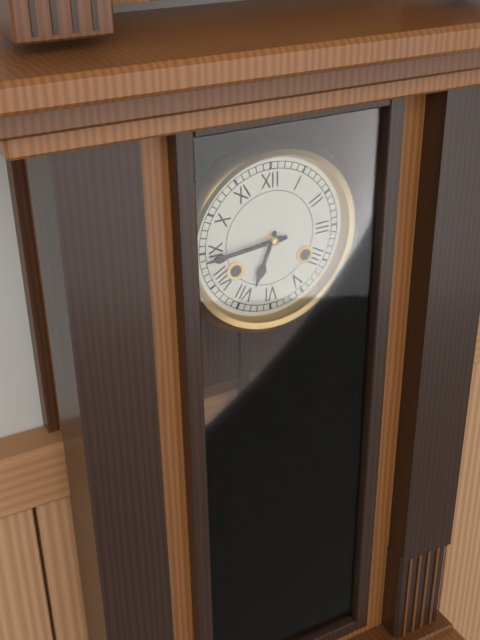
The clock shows 6:44
